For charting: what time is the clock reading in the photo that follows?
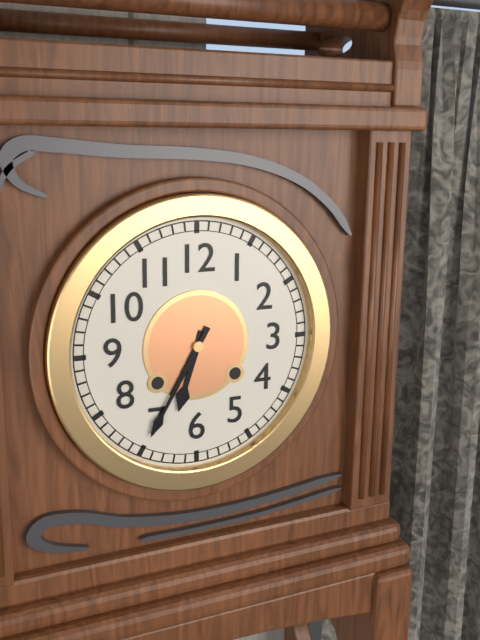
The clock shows 6:35
